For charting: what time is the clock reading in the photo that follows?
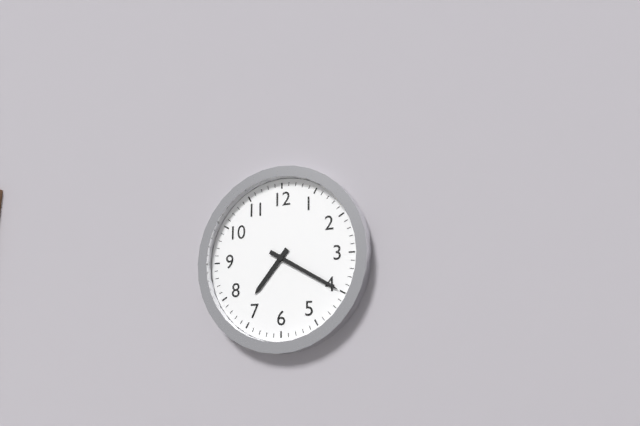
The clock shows 7:20
